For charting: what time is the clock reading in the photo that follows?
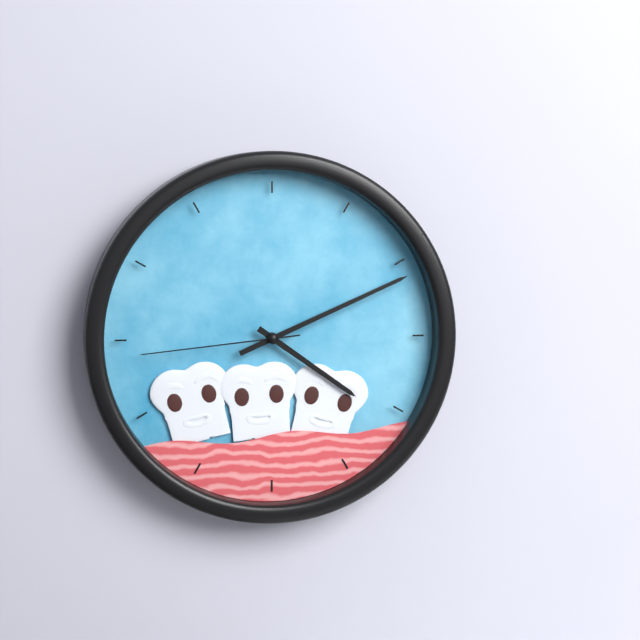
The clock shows 4:11:44
